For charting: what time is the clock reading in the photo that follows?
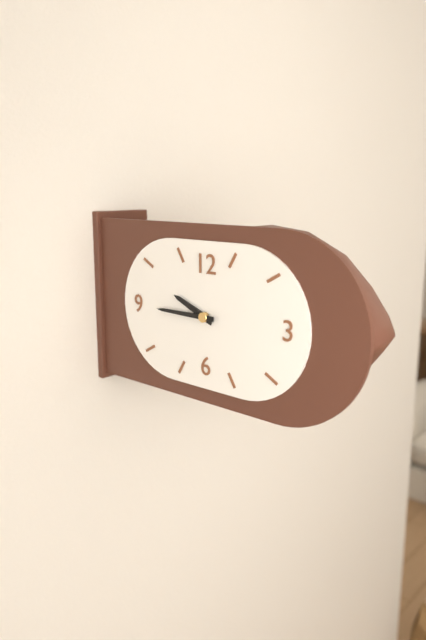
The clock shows 9:45
